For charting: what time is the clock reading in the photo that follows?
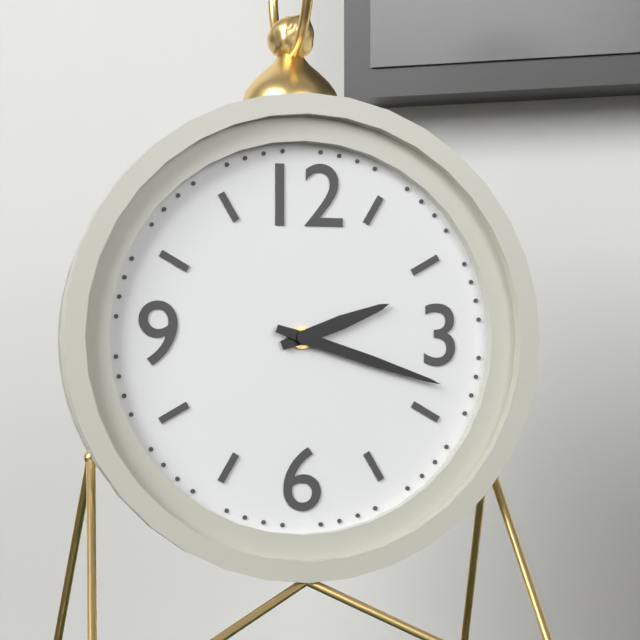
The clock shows 2:18
